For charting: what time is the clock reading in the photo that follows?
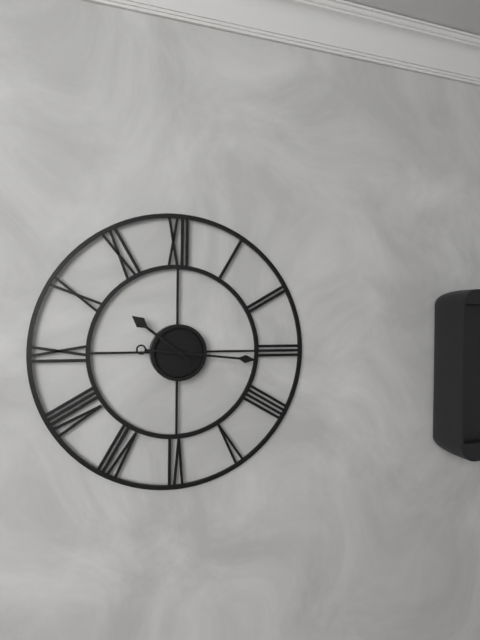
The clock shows 10:16
